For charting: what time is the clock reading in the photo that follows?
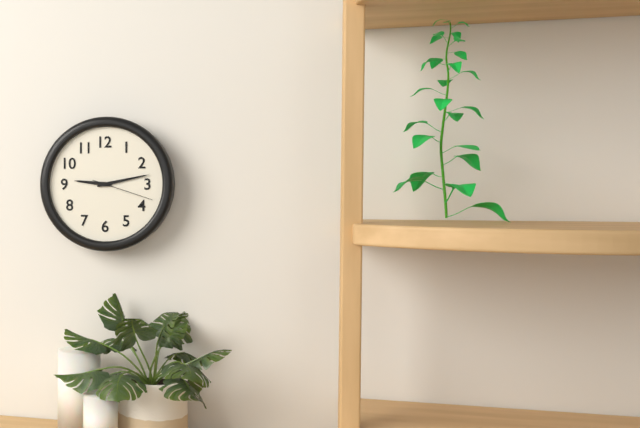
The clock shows 9:13:18
